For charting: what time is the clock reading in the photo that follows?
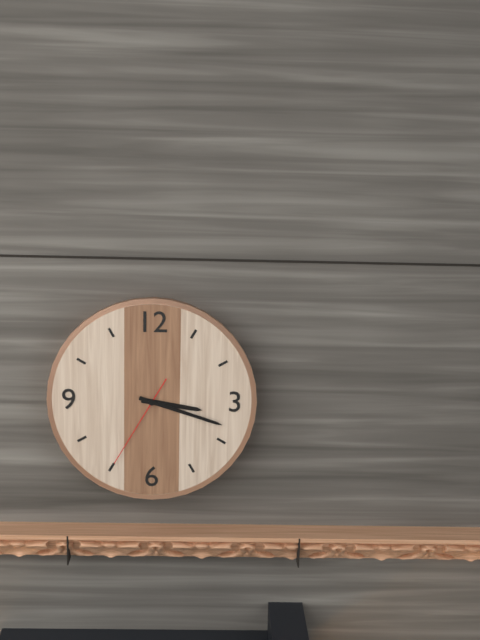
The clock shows 3:18:35
